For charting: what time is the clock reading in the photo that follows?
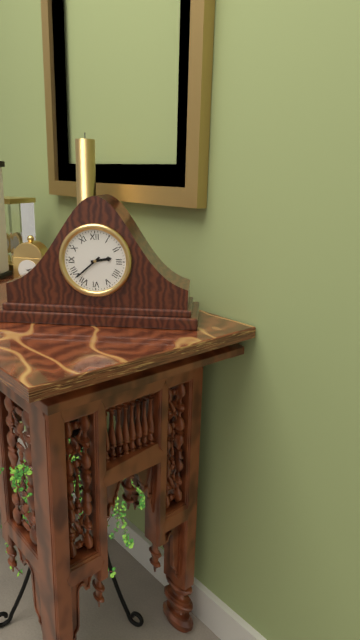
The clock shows 2:38
